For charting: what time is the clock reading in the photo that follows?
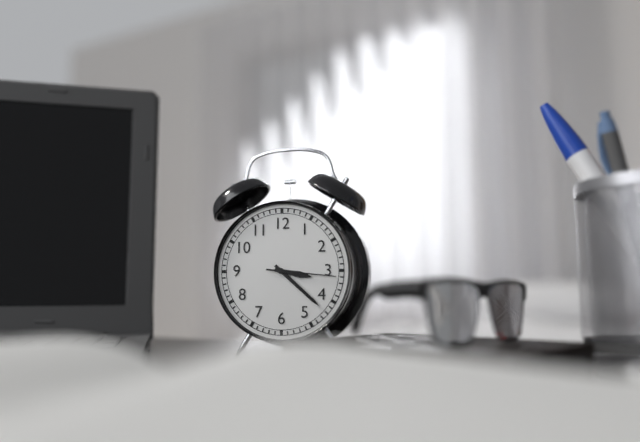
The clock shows 3:22:16
